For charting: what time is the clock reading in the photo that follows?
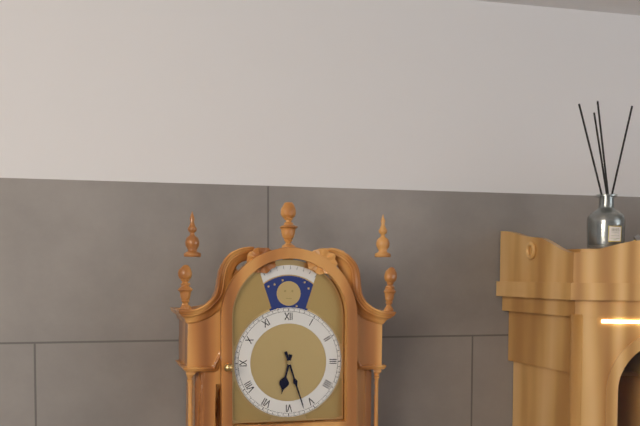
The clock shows 6:27
